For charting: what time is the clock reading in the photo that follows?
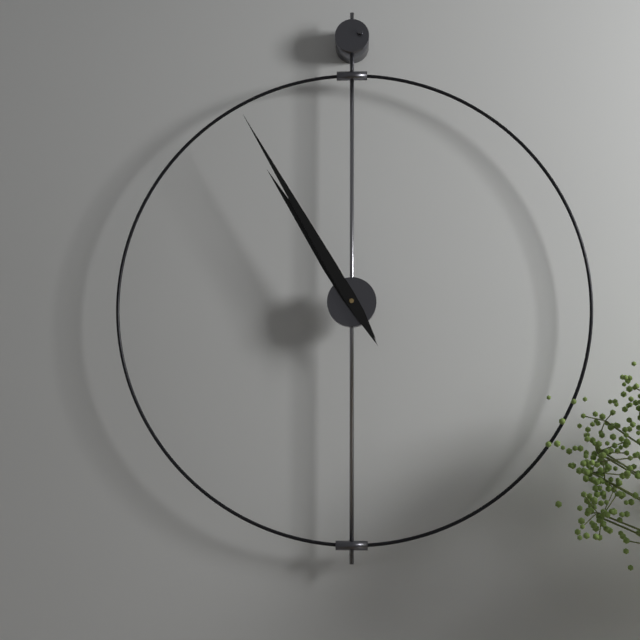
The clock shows 10:55
